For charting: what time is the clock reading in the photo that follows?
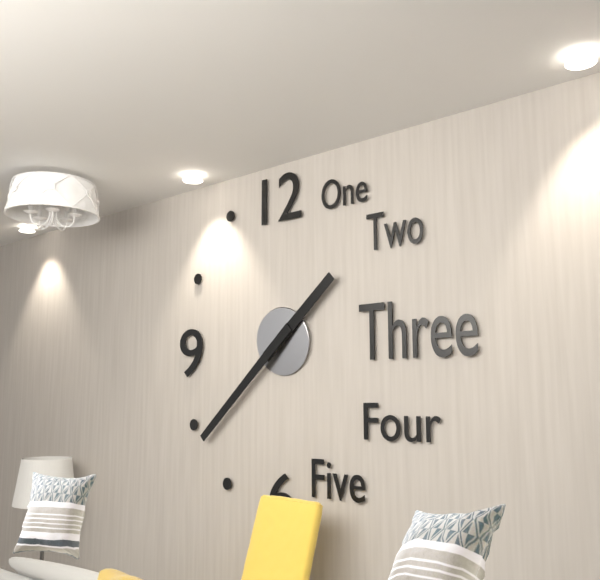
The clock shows 1:38
